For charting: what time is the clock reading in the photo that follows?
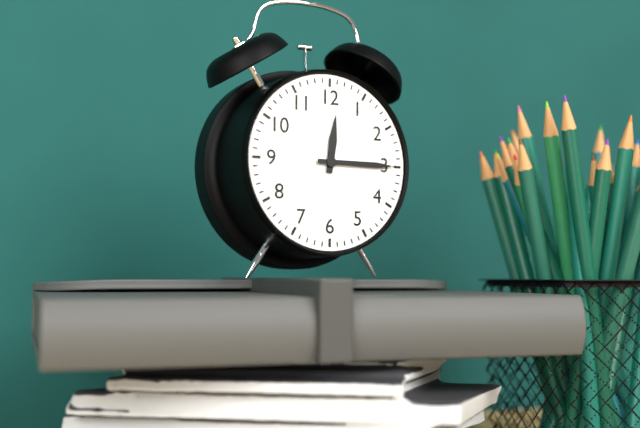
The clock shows 12:15
